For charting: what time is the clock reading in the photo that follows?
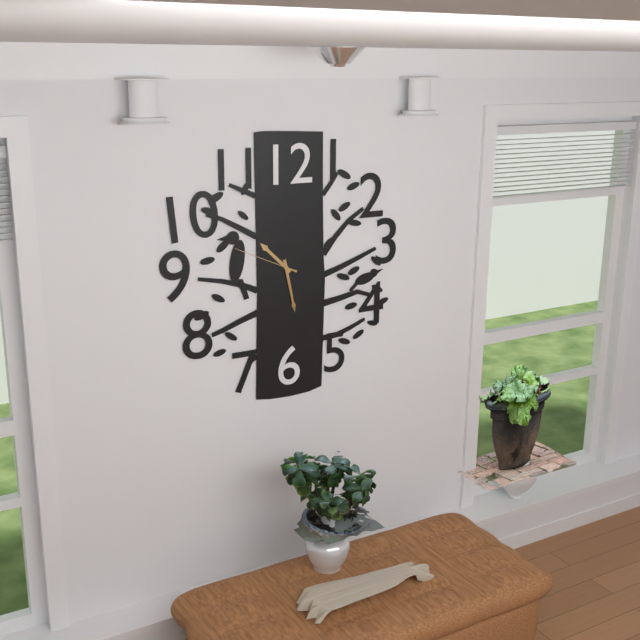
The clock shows 10:28:49
